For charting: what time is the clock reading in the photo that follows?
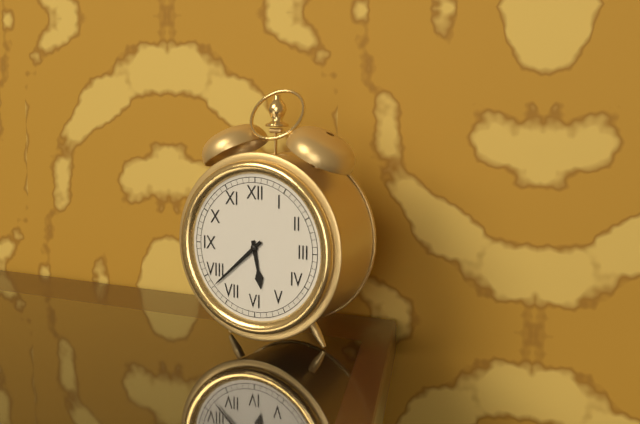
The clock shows 5:38
